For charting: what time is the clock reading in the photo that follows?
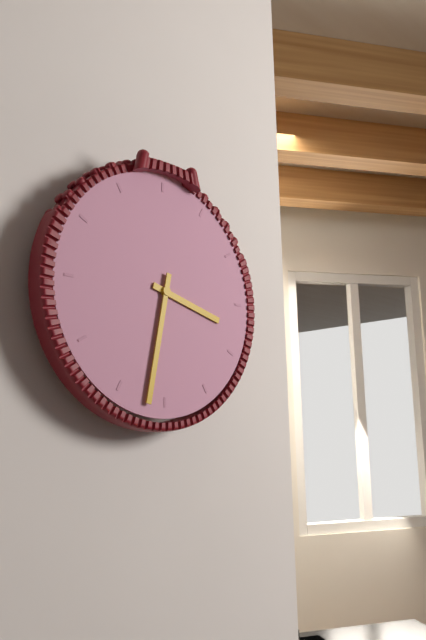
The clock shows 3:32
